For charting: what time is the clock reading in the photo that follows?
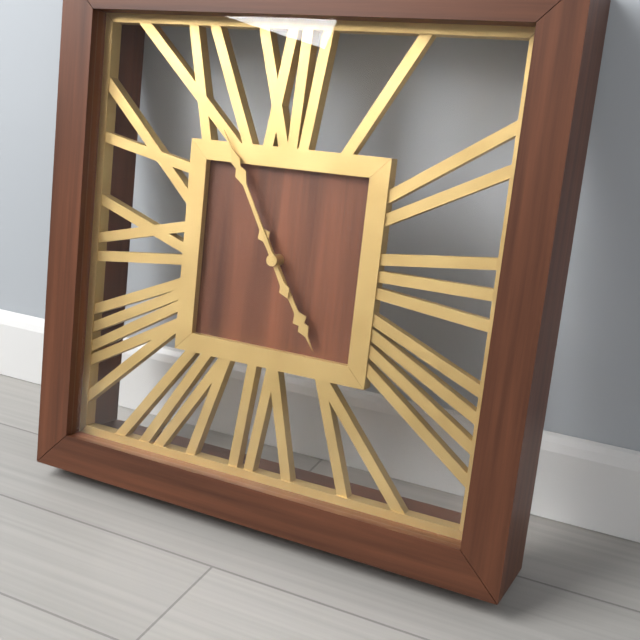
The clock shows 4:55
